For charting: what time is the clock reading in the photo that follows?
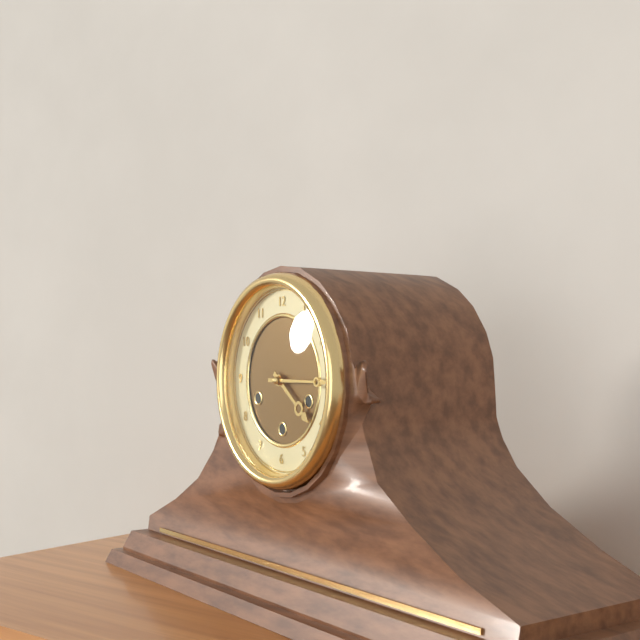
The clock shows 4:15
